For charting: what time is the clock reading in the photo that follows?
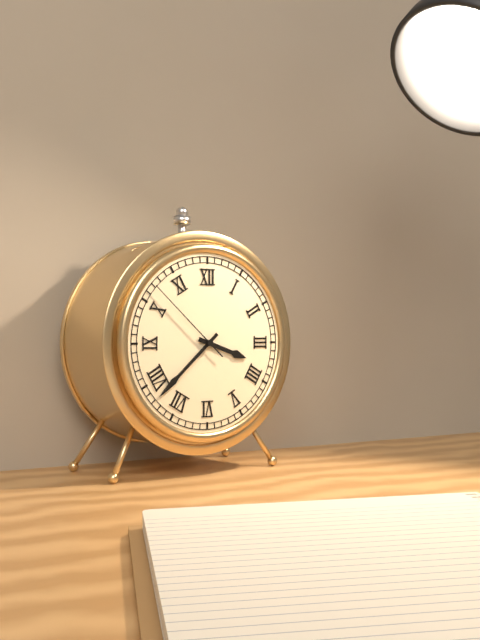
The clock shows 3:38:52
